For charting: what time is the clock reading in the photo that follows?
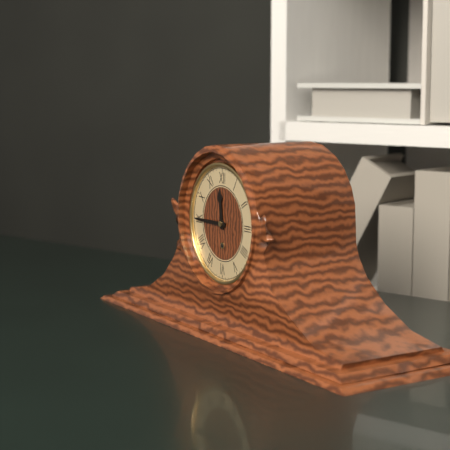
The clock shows 11:45
